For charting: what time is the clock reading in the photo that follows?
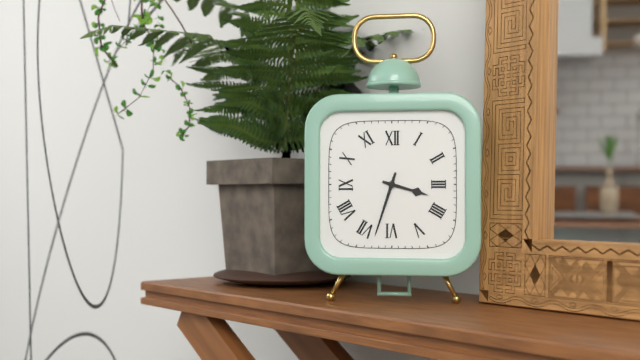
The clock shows 3:33
